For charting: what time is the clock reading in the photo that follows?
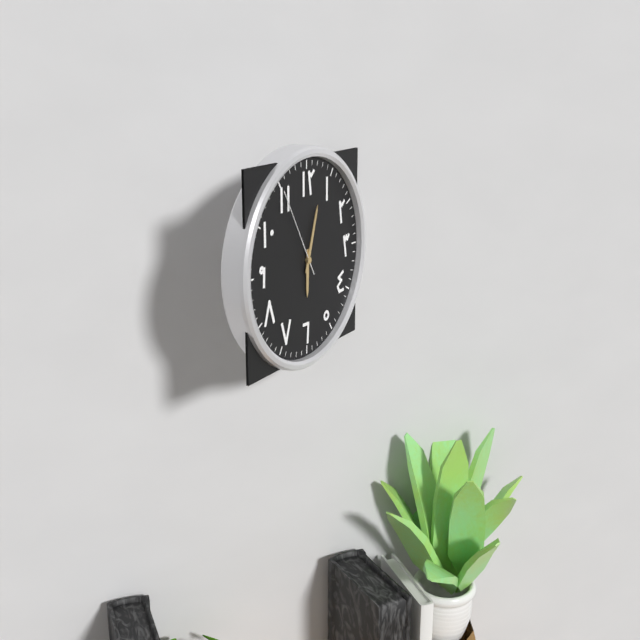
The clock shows 6:03:55
